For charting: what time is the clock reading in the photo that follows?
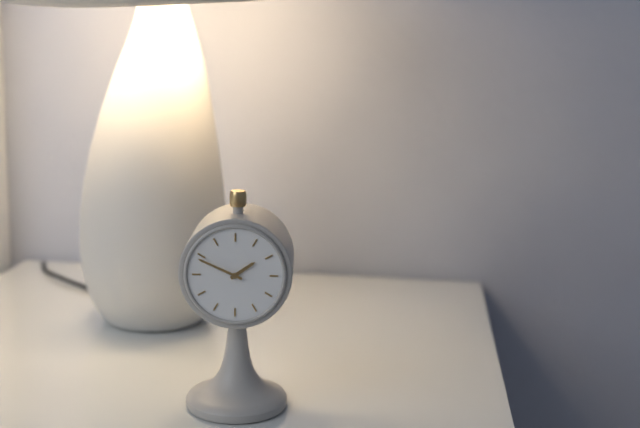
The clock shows 1:49
